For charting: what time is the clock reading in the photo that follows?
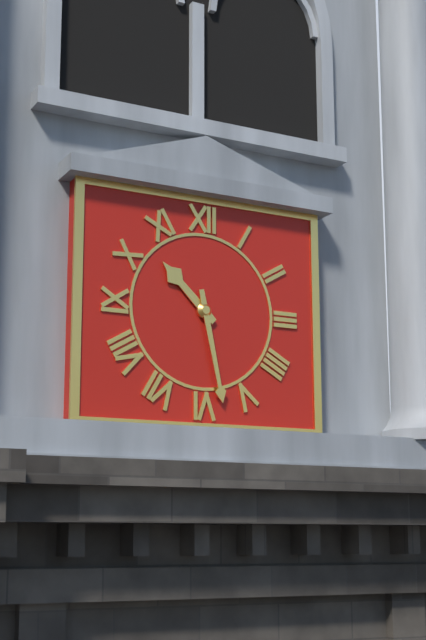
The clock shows 10:28
